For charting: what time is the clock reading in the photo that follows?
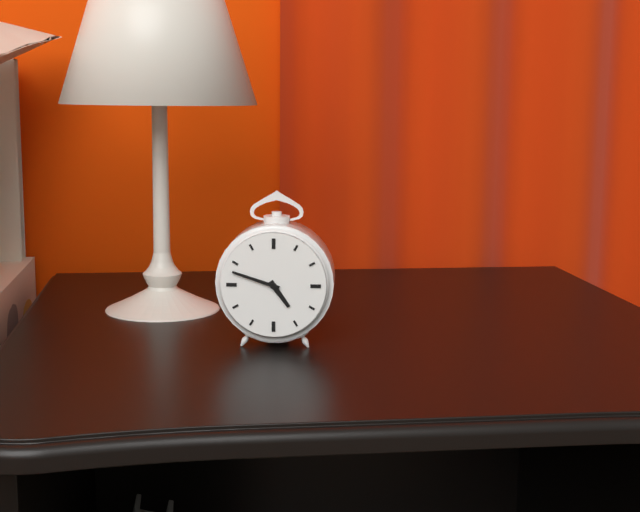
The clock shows 4:48
